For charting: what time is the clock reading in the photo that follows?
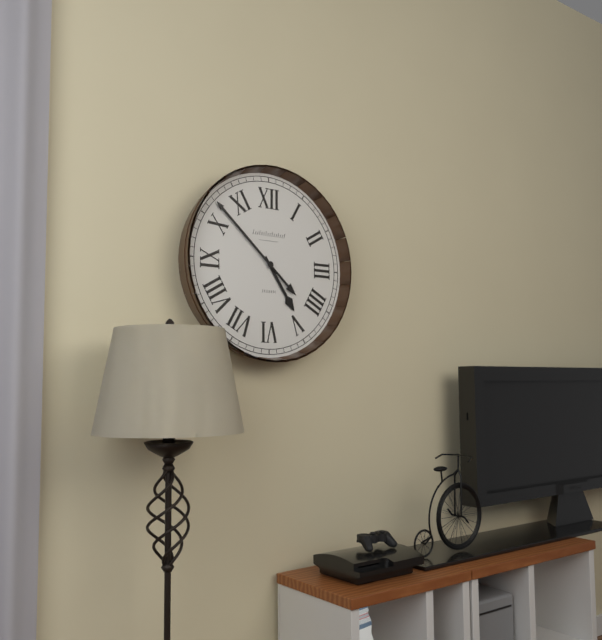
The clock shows 4:52
